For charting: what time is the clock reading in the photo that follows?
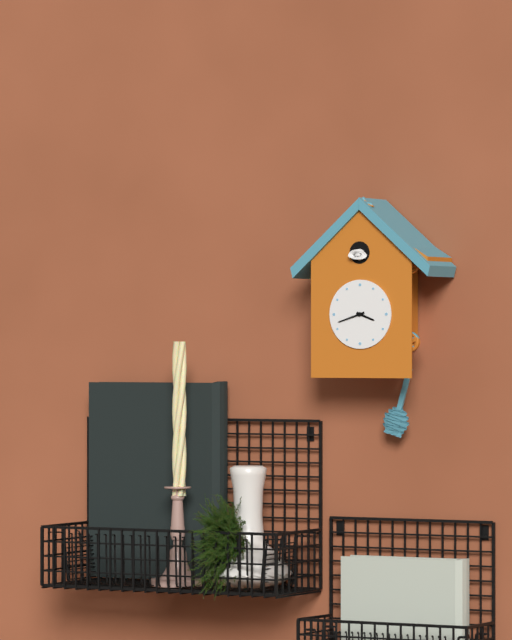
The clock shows 3:42
